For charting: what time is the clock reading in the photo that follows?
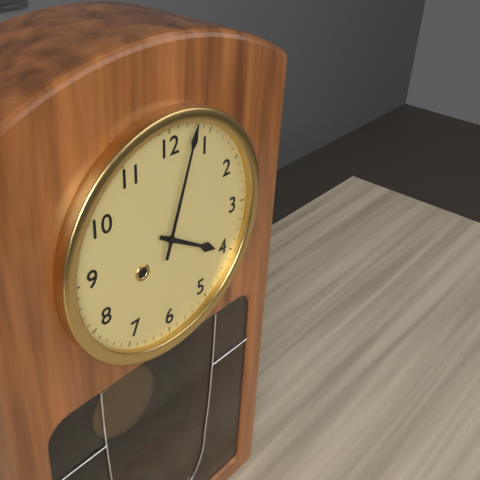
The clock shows 4:03
